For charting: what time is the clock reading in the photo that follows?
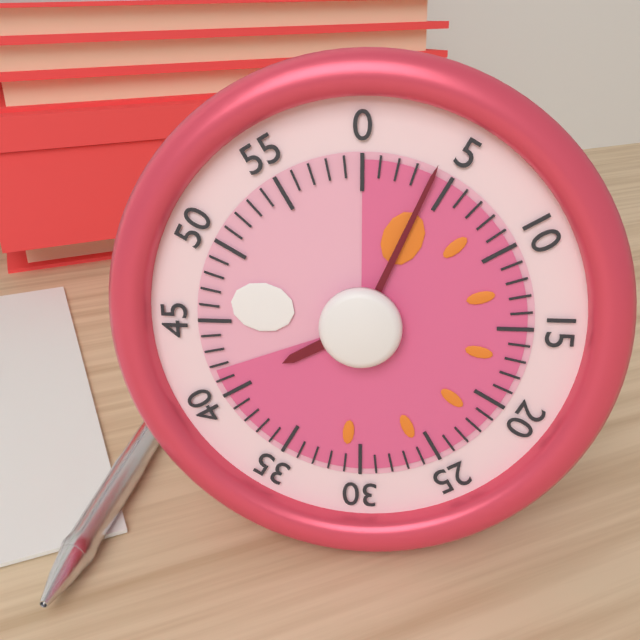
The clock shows 8:04
